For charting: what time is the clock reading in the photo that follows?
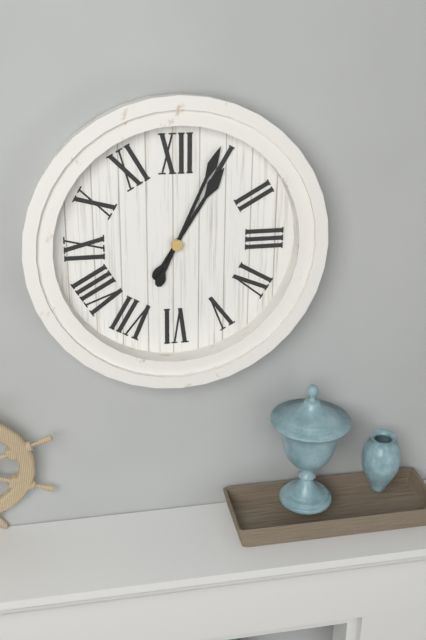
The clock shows 1:04
